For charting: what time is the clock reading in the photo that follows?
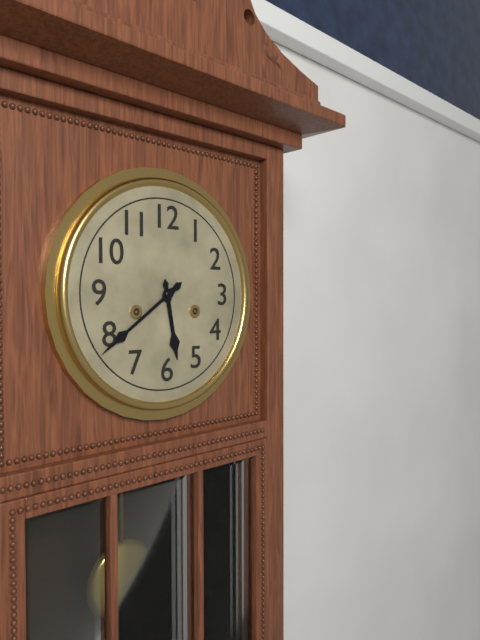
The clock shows 5:39
